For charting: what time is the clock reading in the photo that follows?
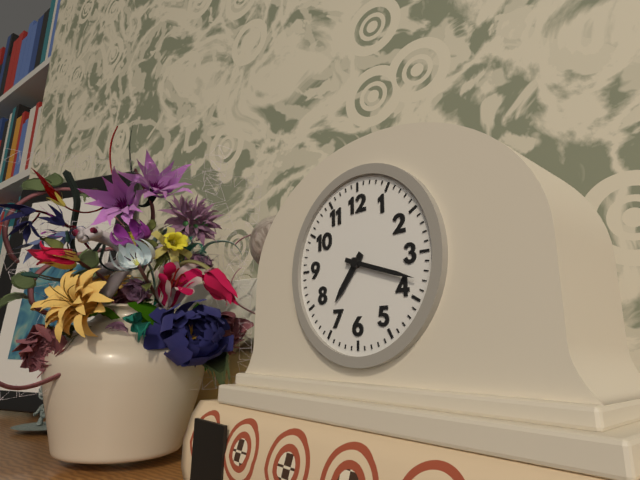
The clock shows 7:18
